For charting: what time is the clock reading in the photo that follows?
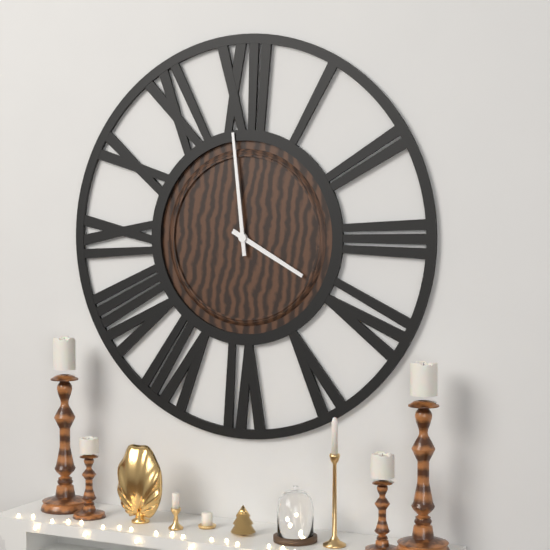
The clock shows 3:59
